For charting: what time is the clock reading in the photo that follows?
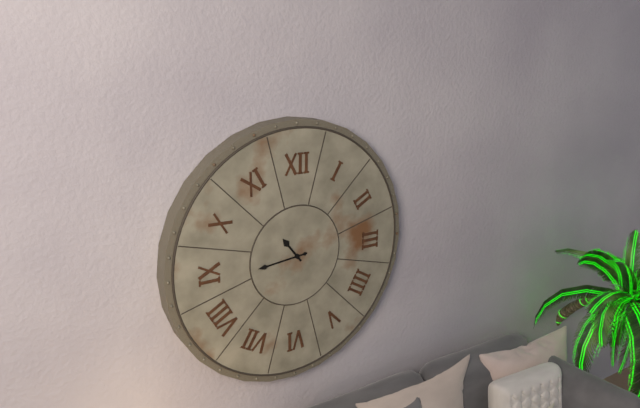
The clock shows 10:44
